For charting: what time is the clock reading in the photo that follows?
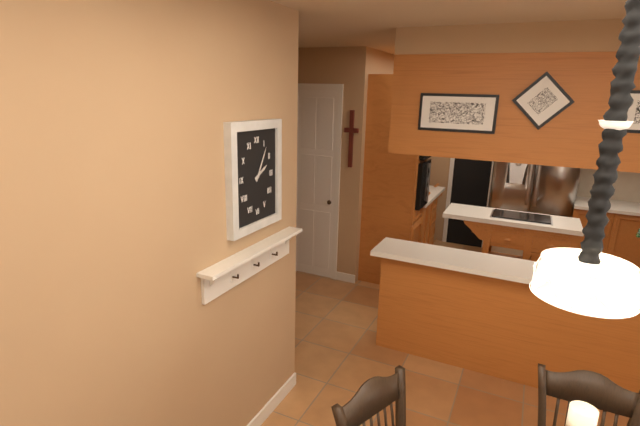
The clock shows 2:05
